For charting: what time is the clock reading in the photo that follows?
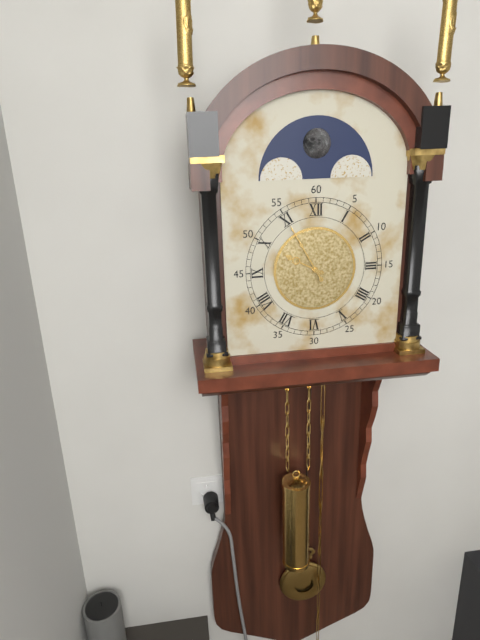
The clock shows 9:55
